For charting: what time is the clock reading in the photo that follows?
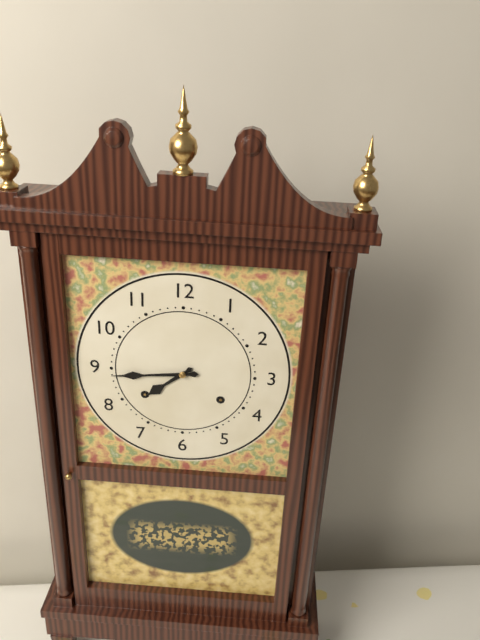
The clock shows 7:44
